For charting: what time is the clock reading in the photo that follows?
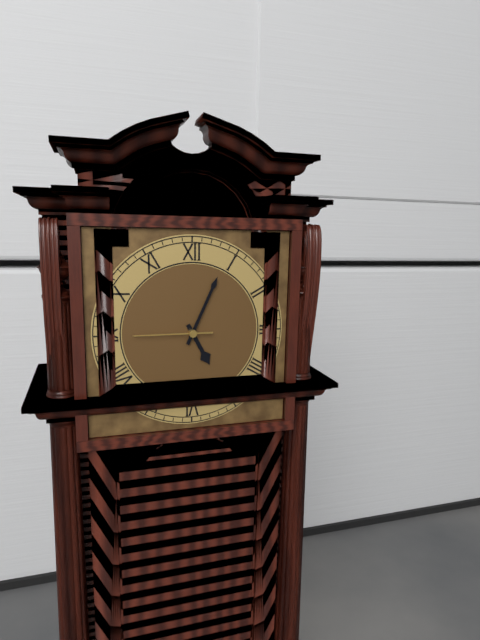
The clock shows 5:04:45
